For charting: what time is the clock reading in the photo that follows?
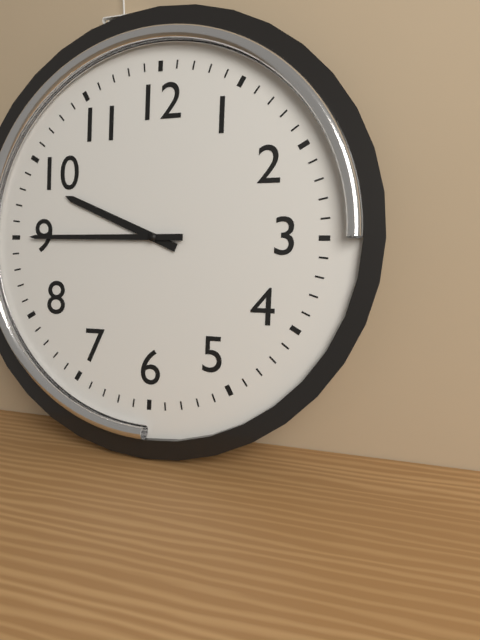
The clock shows 9:45
